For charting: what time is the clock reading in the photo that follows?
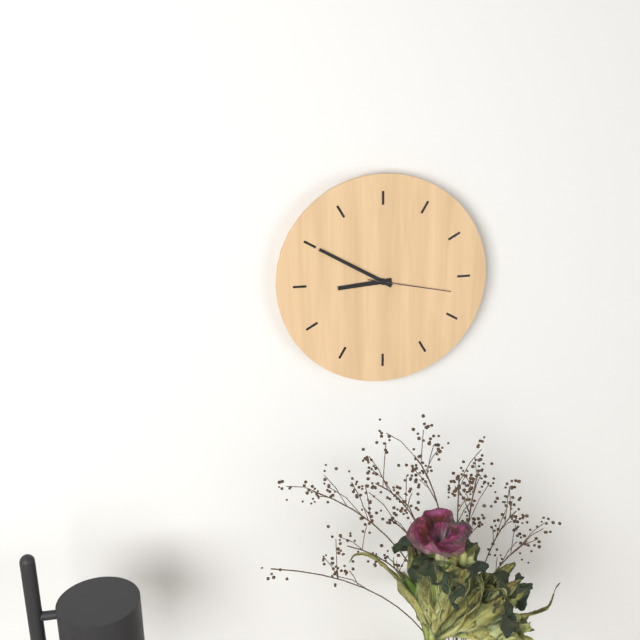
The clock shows 8:50:17
